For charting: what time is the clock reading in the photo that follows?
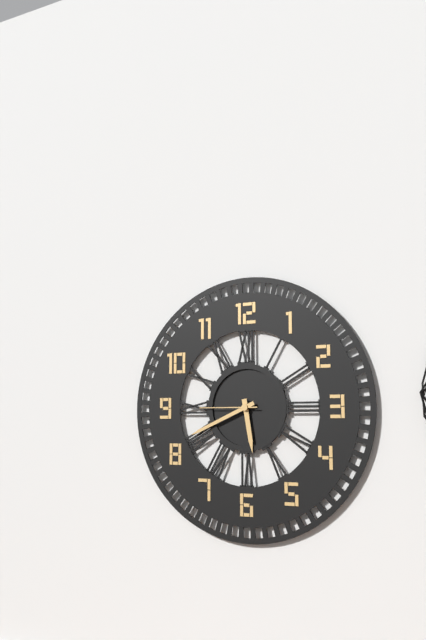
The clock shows 5:41:45
